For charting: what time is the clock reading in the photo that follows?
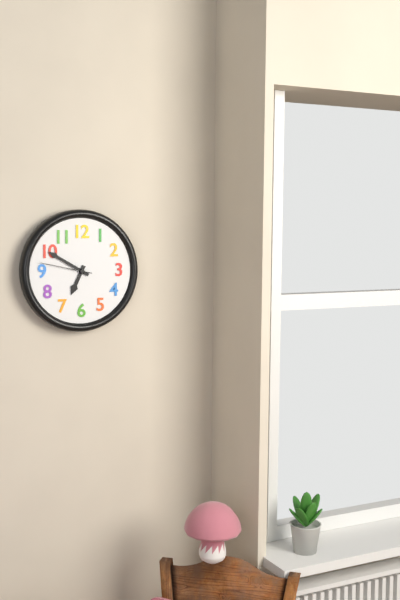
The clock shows 6:50
